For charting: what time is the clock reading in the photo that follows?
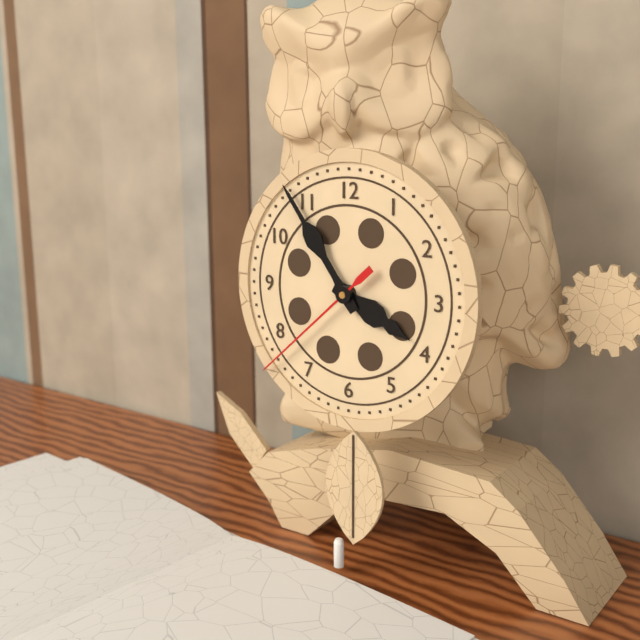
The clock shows 3:54:38
